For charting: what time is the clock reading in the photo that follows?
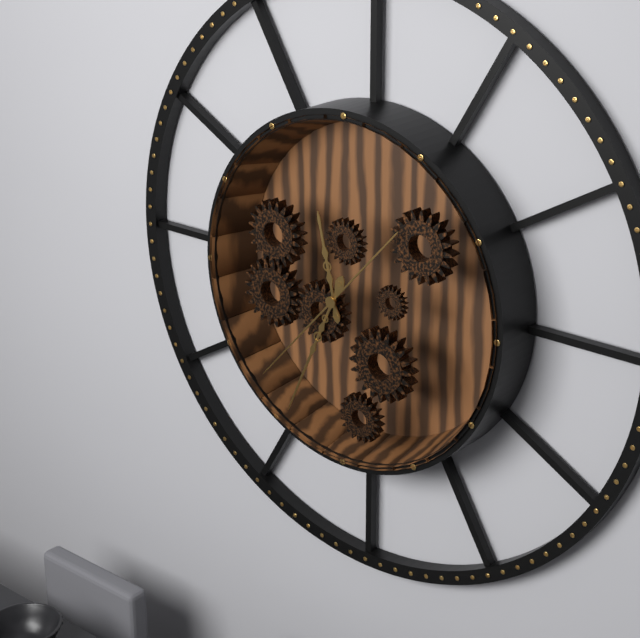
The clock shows 11:34:37
